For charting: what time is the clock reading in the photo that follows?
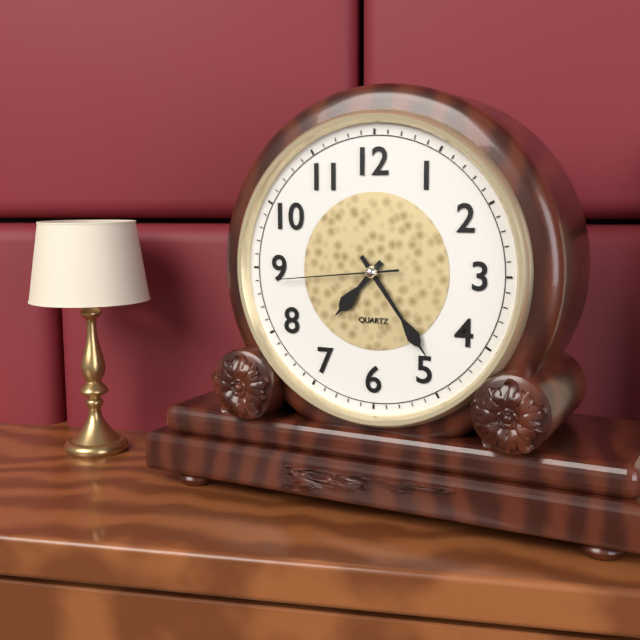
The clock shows 7:24:44
